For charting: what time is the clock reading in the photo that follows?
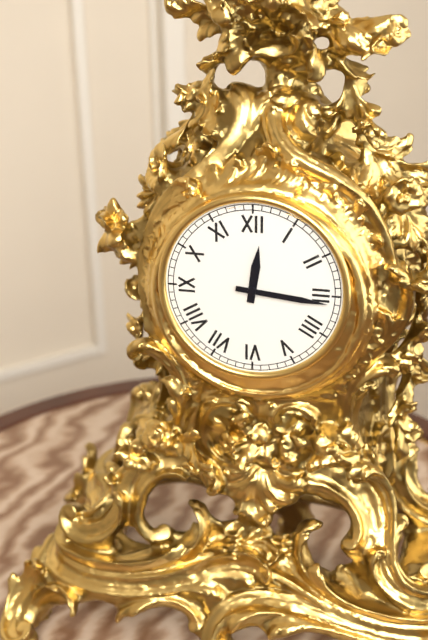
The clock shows 12:16
